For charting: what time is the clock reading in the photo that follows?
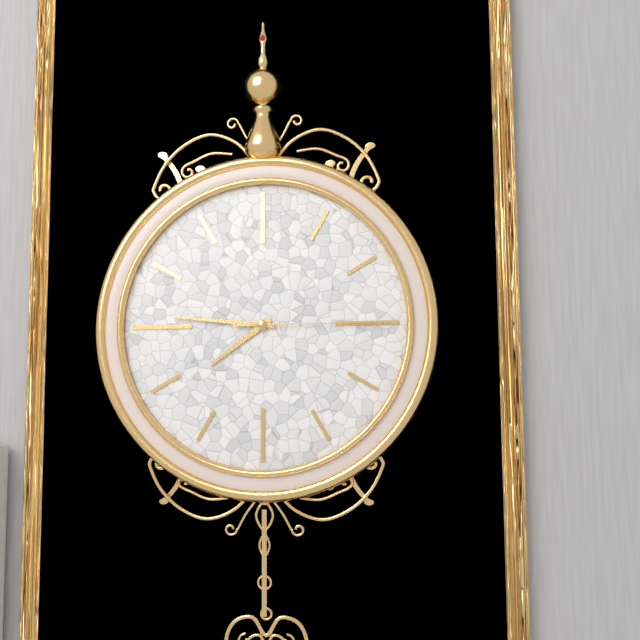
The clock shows 7:46:15
